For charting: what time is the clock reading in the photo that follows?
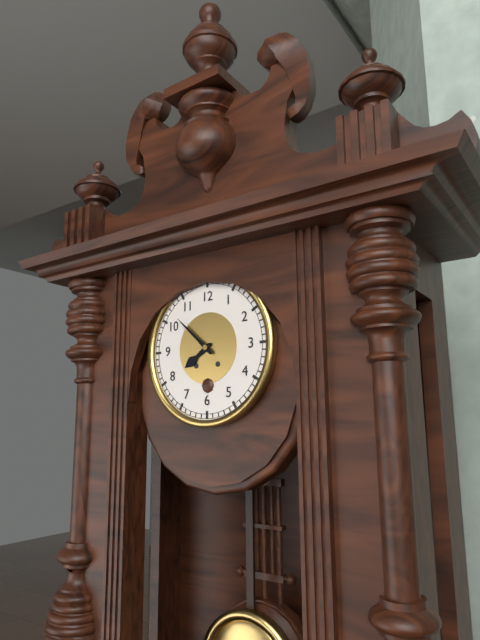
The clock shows 7:52
